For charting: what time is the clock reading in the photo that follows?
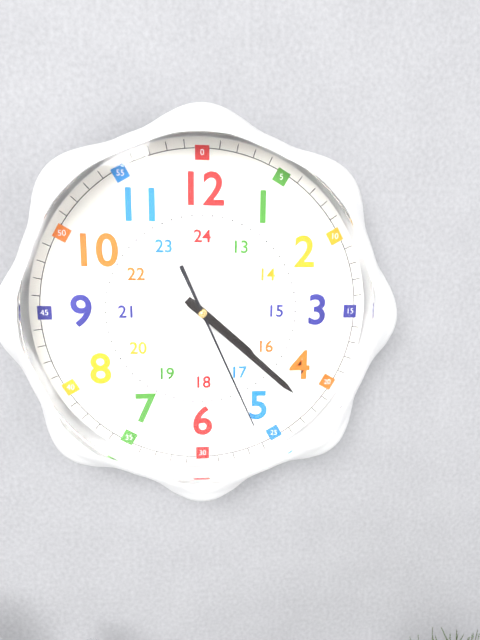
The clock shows 4:22:26
